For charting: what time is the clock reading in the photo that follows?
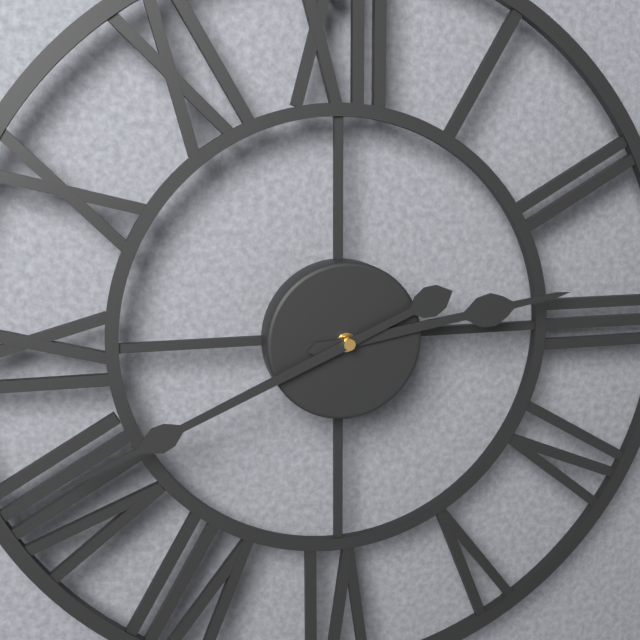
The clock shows 2:41
